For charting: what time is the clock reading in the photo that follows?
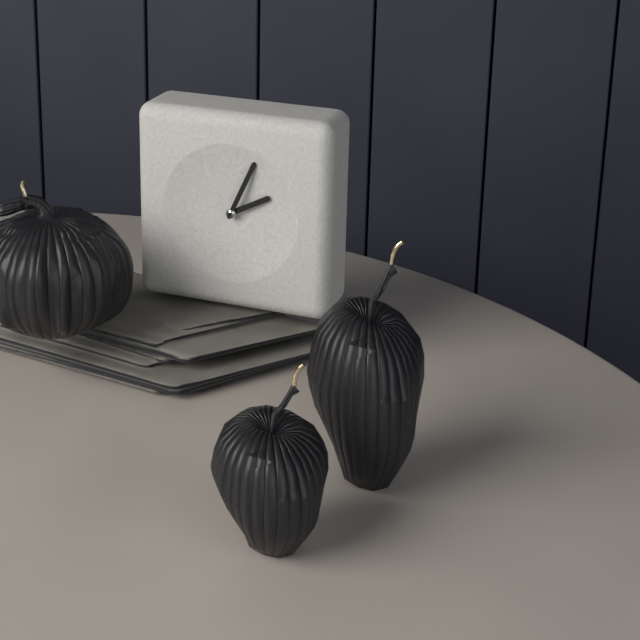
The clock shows 2:04
